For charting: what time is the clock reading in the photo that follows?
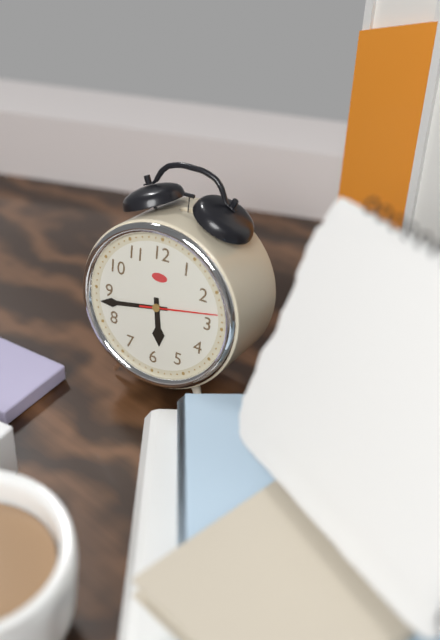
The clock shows 5:43:13
